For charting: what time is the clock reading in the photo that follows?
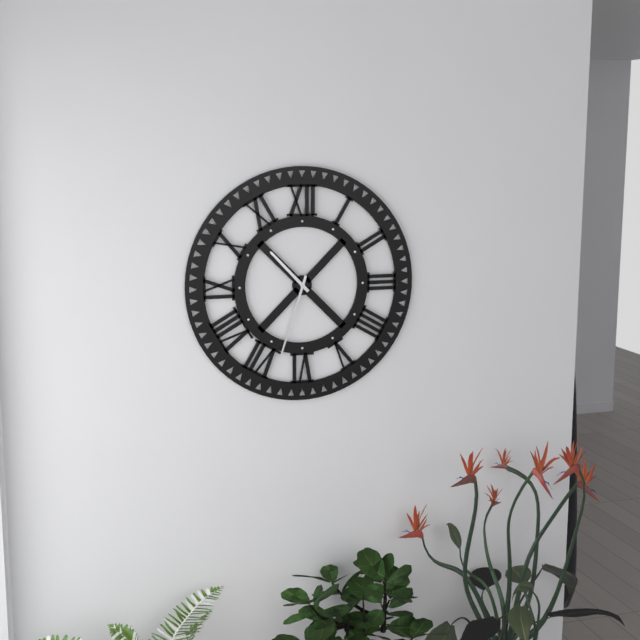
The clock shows 10:33
